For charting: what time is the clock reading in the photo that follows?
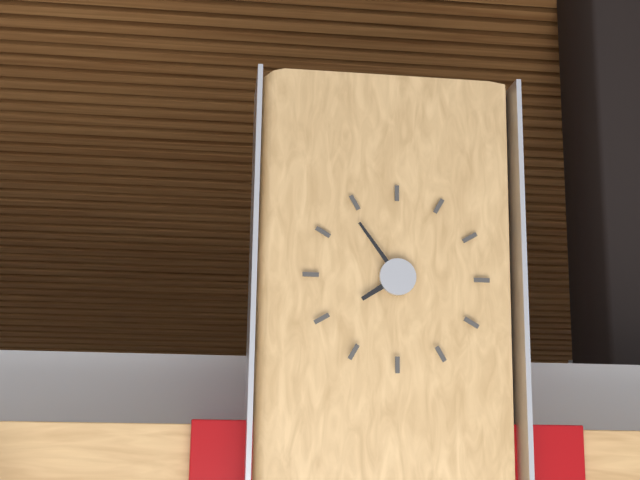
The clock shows 7:54
